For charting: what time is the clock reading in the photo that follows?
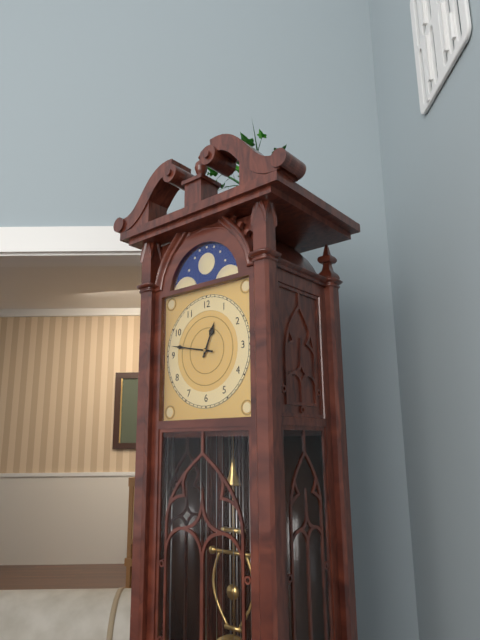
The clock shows 12:47
